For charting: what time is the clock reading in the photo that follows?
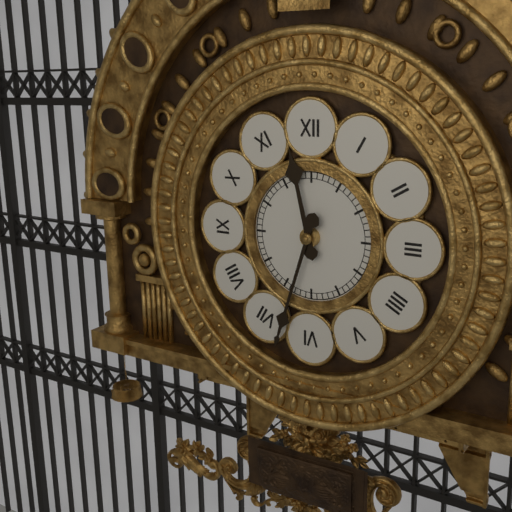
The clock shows 11:33
